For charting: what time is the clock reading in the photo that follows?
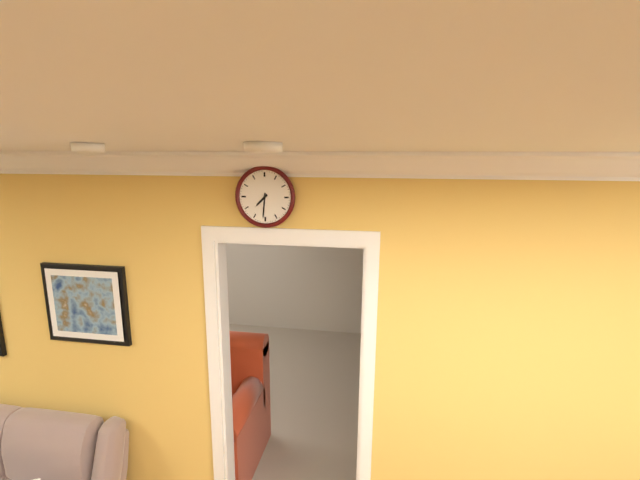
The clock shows 7:31
